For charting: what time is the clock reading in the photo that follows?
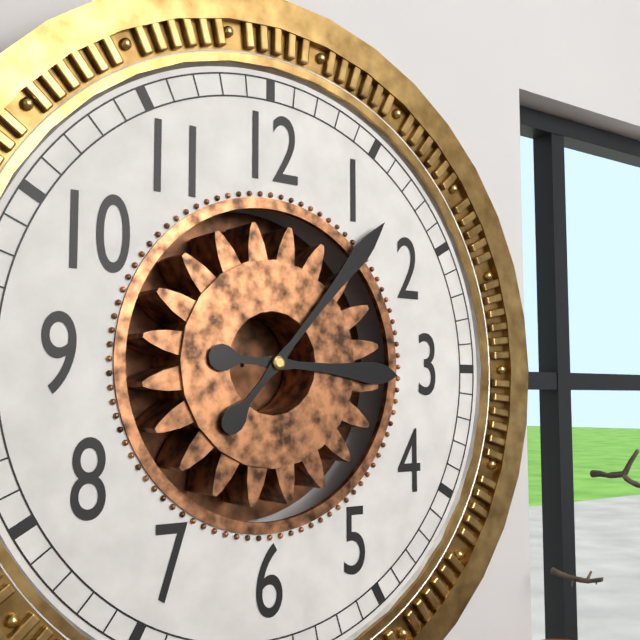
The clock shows 3:07
